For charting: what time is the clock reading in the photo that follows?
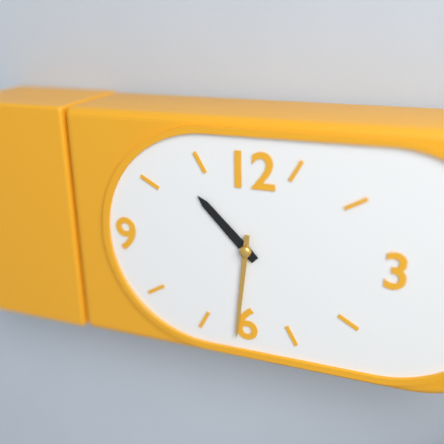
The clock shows 10:31
